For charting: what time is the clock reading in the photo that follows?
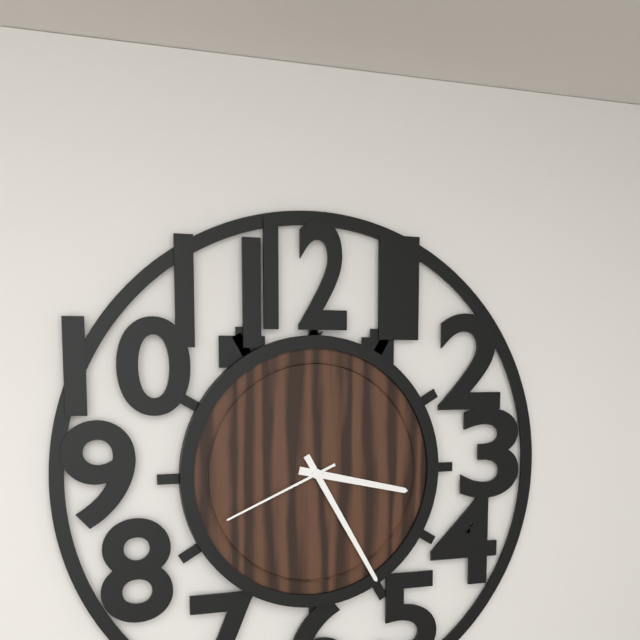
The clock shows 3:25:41
